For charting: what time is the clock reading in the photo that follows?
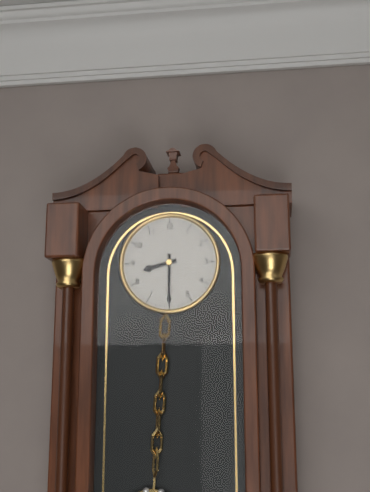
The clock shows 8:30
